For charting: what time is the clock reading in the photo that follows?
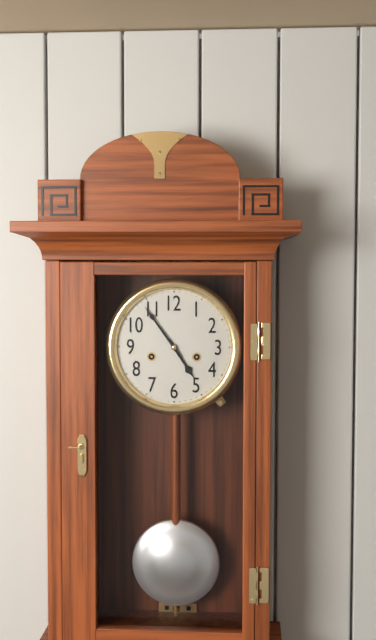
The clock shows 4:54
